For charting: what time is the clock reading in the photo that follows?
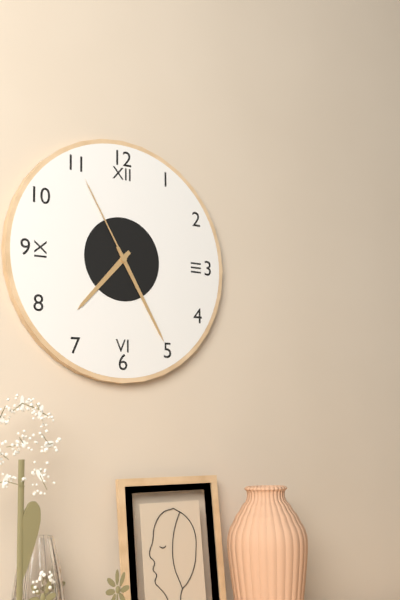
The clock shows 7:25:55
